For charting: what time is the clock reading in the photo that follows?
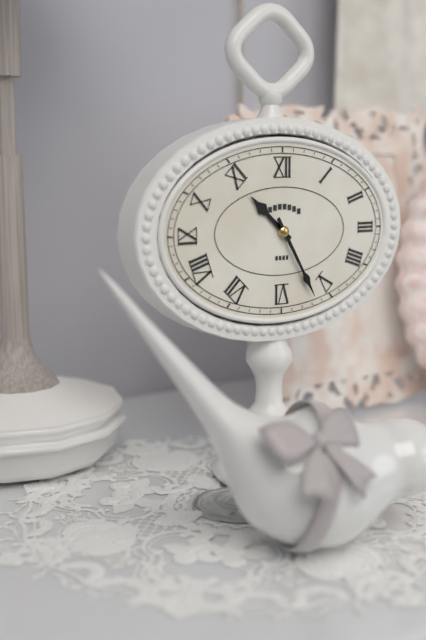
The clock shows 10:25
